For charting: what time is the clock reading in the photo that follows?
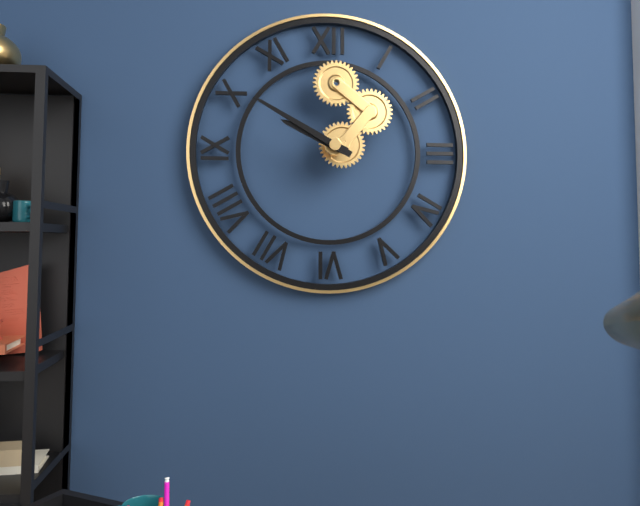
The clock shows 9:50
